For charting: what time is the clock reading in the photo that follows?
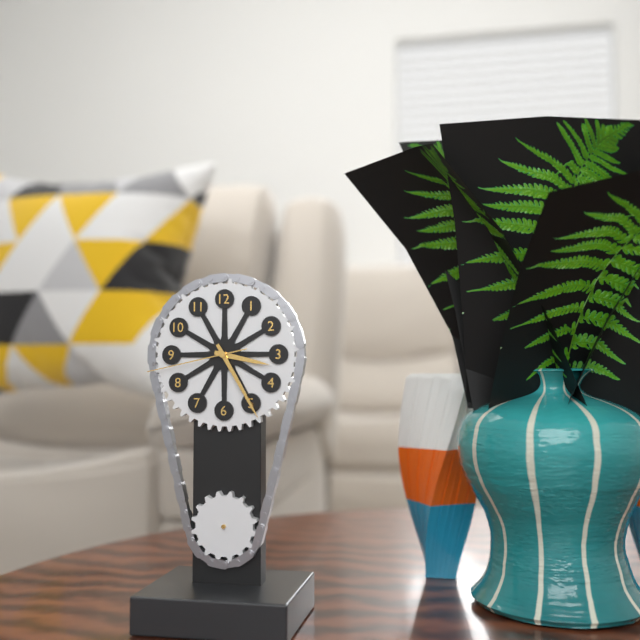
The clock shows 3:25:43
